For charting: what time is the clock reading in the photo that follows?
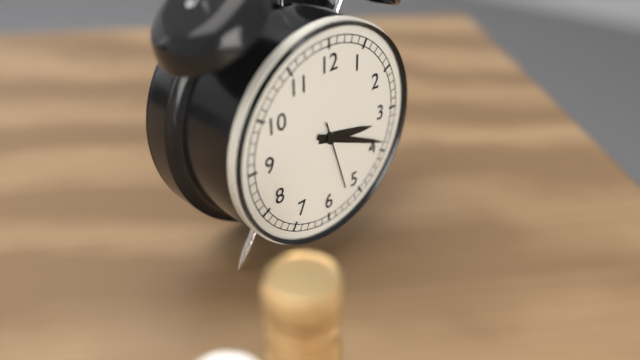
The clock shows 3:19:27
